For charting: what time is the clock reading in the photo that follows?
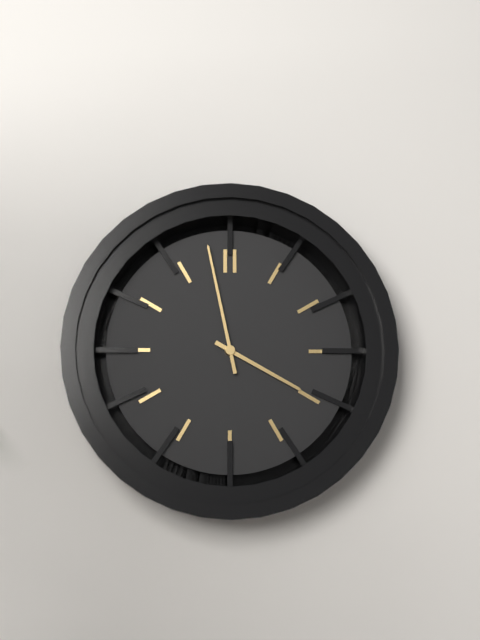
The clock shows 3:58
